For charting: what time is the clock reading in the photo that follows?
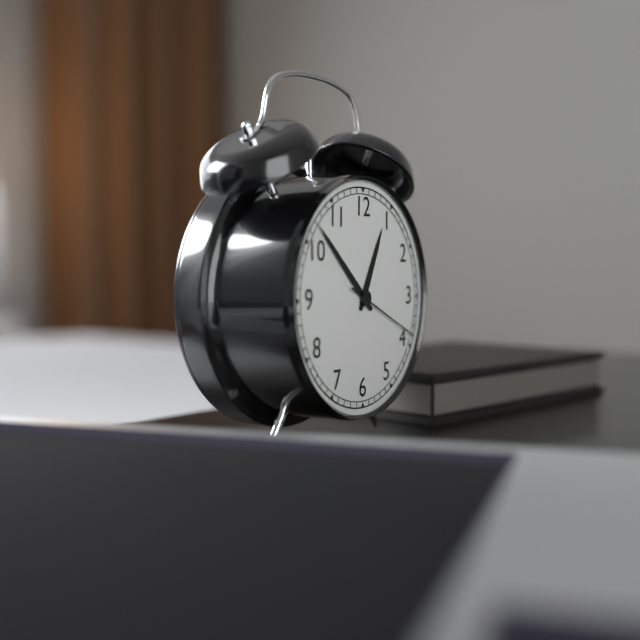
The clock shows 12:52:19
